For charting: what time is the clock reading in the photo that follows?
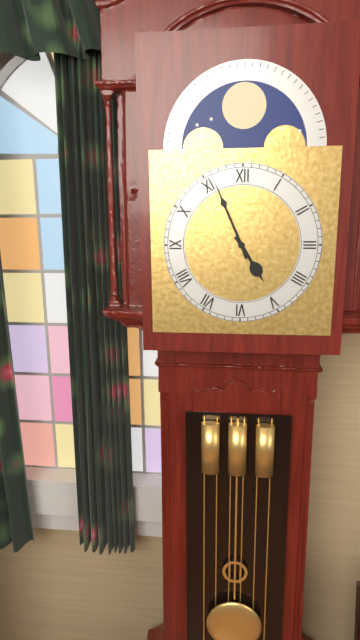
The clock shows 4:56
